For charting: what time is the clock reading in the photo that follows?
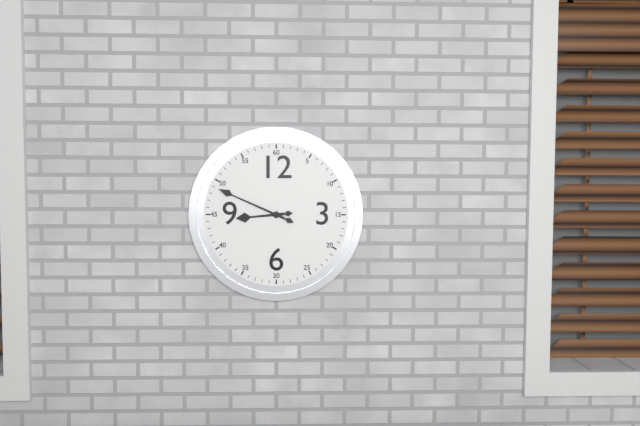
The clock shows 8:49
